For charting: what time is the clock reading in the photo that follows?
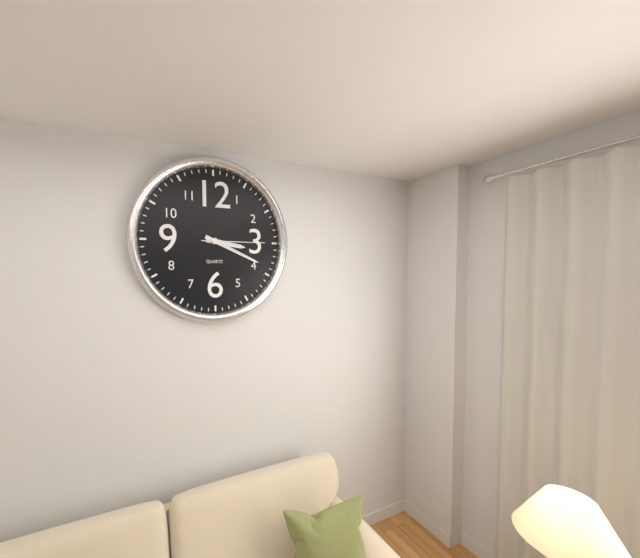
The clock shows 3:19:15
